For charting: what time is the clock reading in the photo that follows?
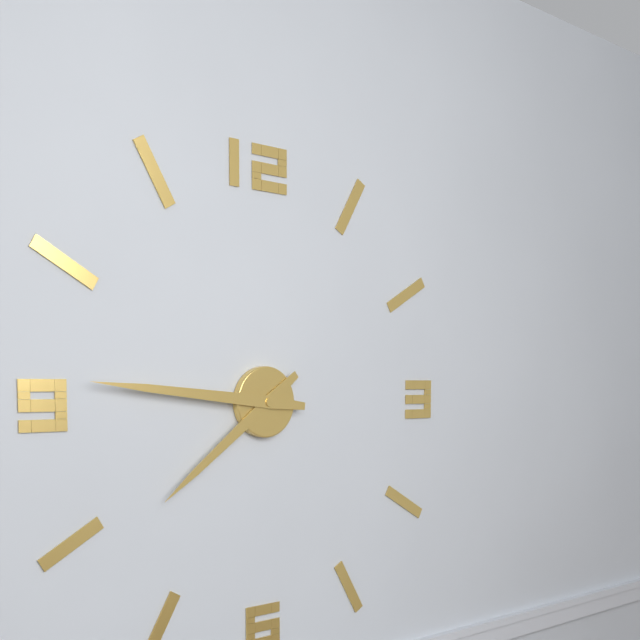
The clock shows 7:46
